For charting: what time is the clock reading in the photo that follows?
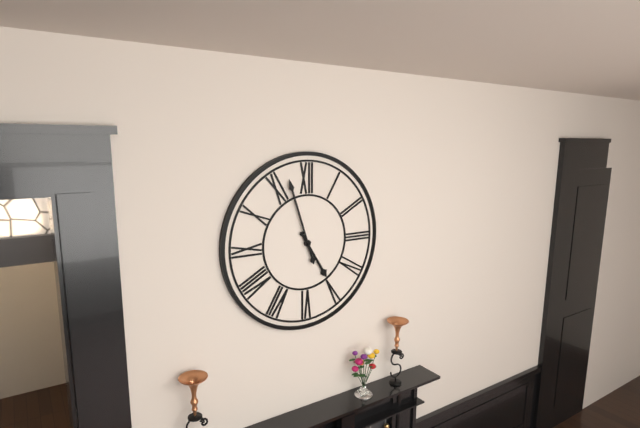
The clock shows 4:57
